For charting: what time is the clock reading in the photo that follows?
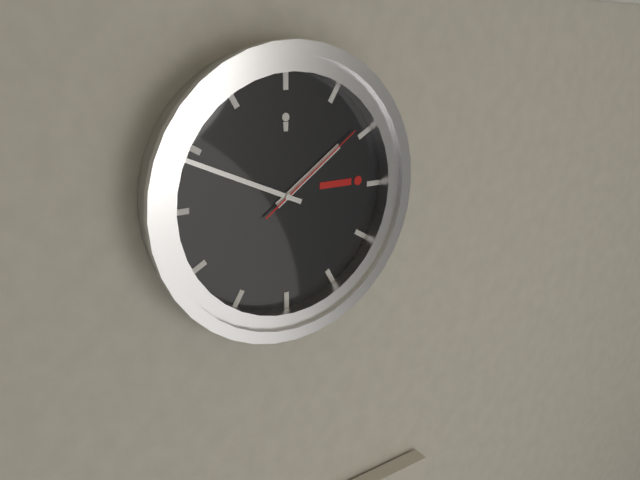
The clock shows 1:49:09
